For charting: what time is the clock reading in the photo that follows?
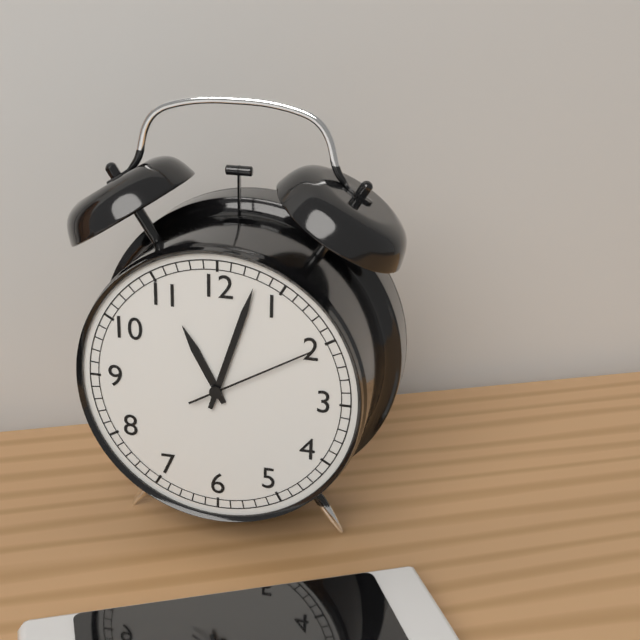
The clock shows 11:03:10
